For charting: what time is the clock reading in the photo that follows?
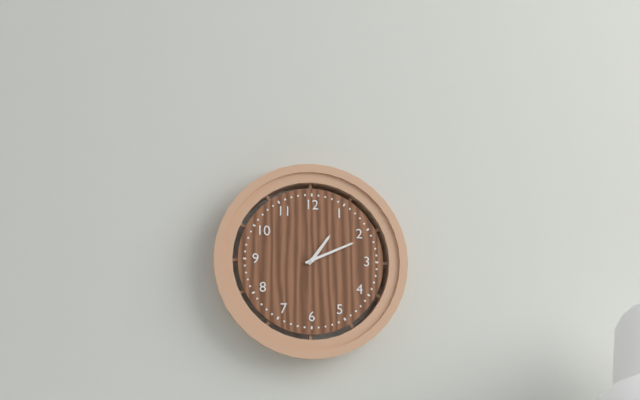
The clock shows 1:11
